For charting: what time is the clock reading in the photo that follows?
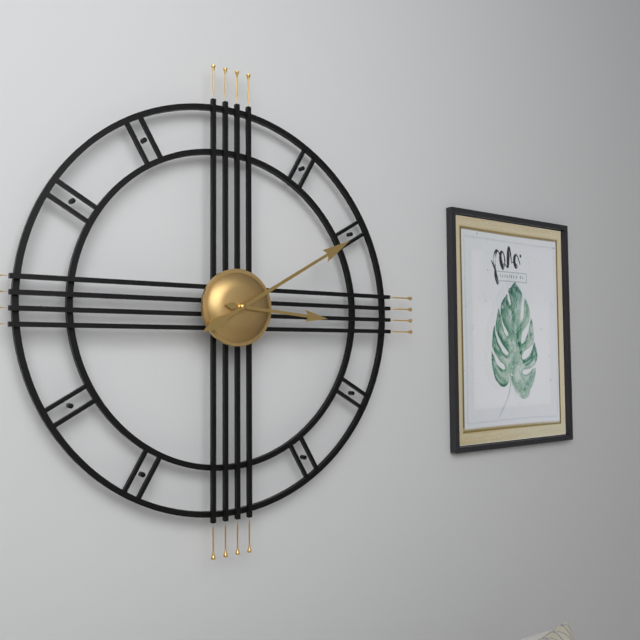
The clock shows 3:10
